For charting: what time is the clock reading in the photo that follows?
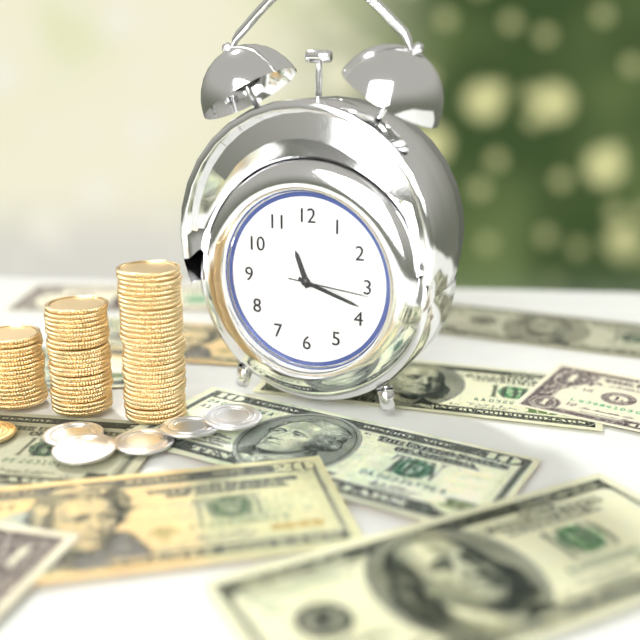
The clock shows 11:18:16
